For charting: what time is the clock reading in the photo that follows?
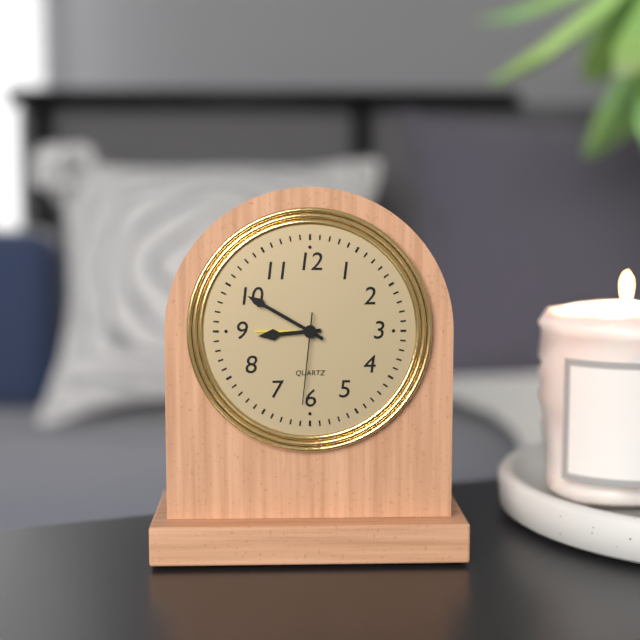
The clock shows 8:50:31
